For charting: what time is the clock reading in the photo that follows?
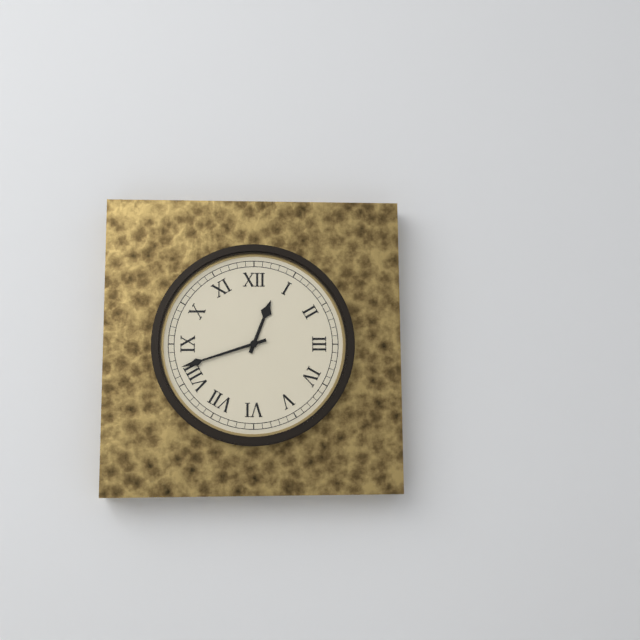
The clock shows 12:42
